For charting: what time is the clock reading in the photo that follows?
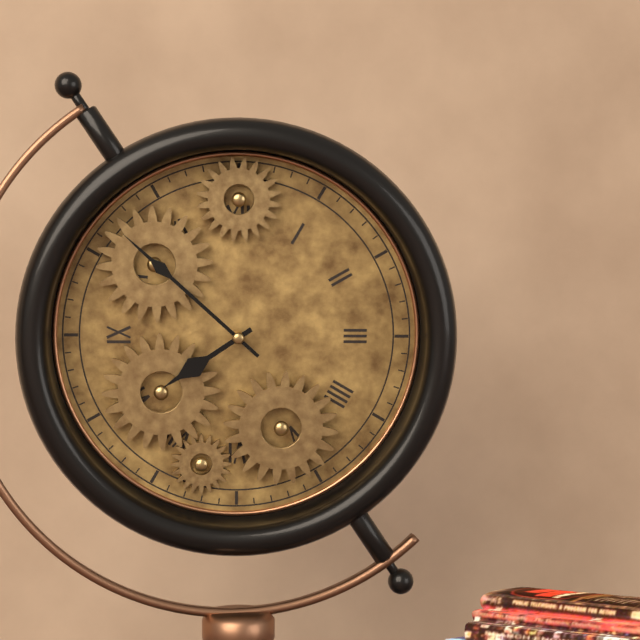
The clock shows 7:52
